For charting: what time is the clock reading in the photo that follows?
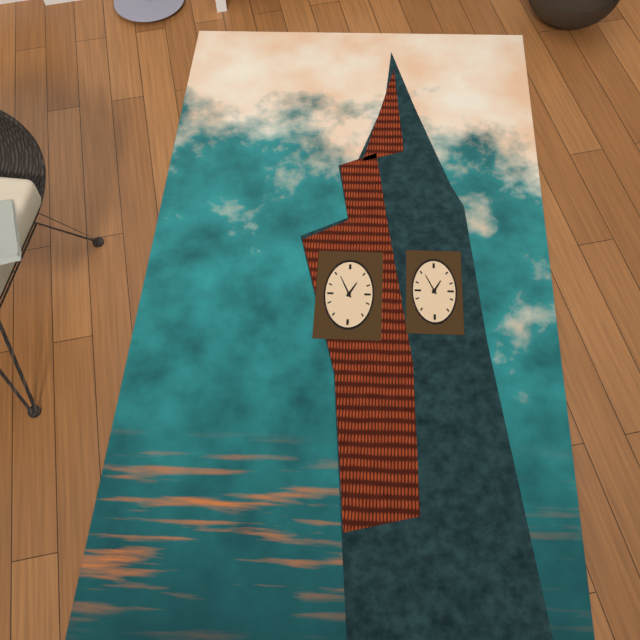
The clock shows 12:56
